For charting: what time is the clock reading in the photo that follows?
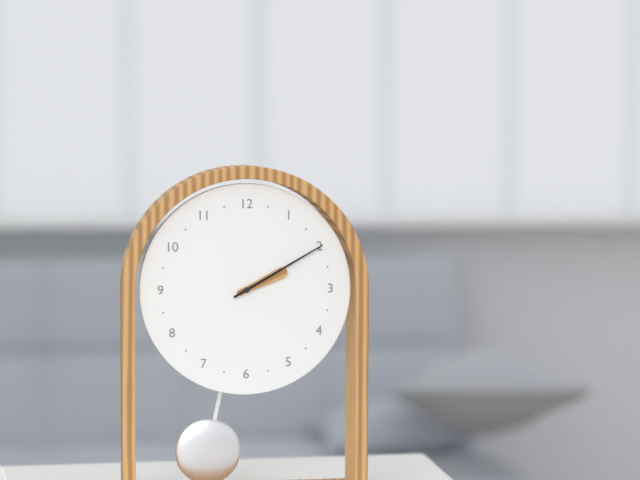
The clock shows 2:10
